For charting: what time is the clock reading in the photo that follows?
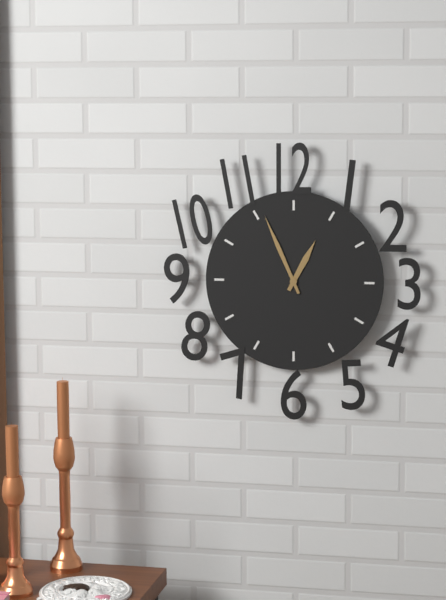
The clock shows 12:56
